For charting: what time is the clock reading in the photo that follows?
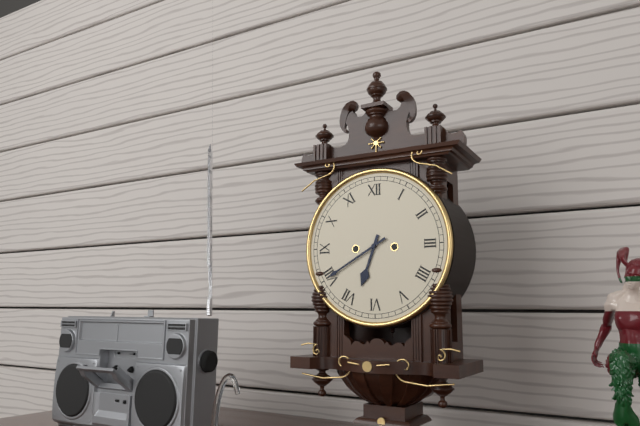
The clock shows 6:40
